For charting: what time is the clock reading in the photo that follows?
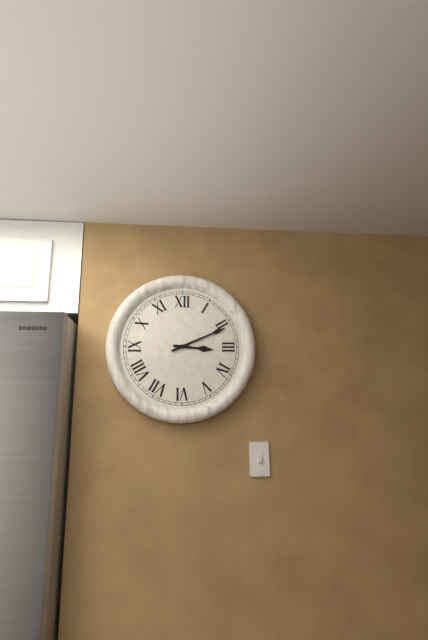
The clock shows 3:11
